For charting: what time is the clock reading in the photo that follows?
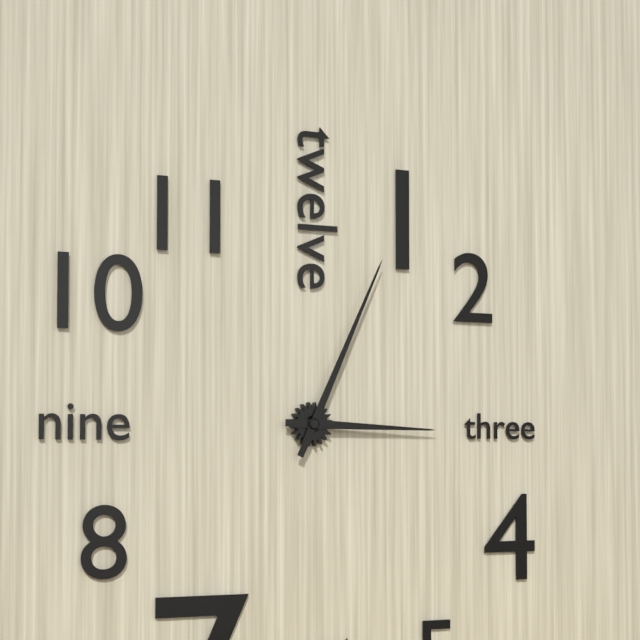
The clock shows 3:04
